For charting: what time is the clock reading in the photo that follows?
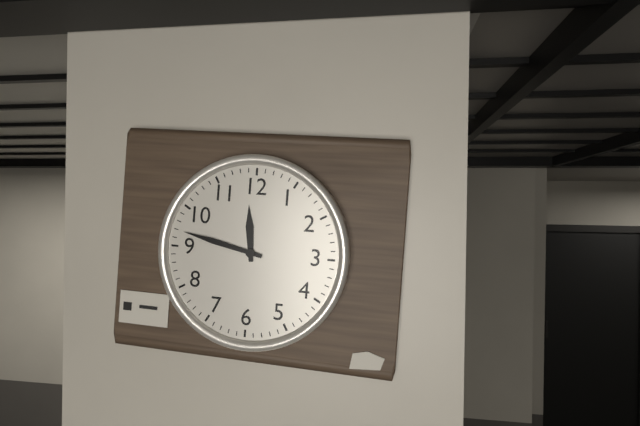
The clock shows 11:47
